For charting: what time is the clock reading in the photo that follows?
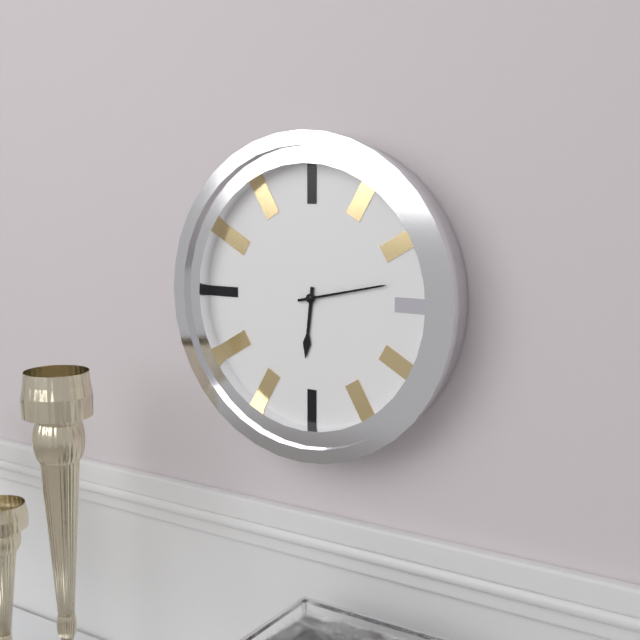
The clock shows 6:13
